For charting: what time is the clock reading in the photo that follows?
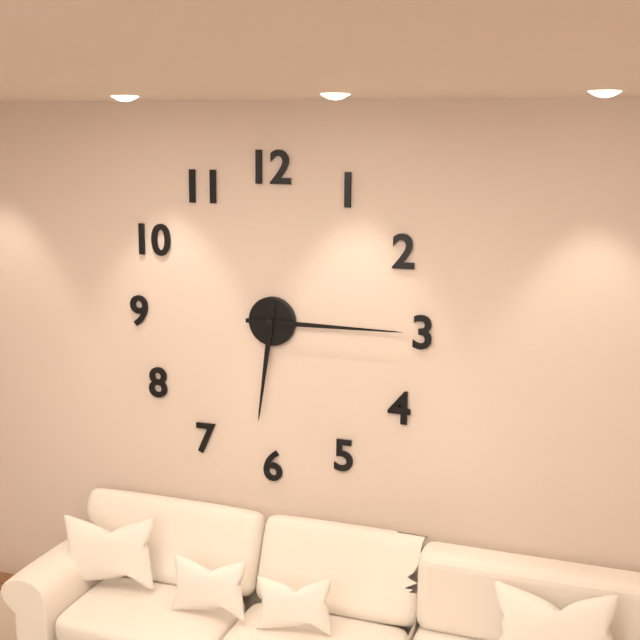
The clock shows 6:15
